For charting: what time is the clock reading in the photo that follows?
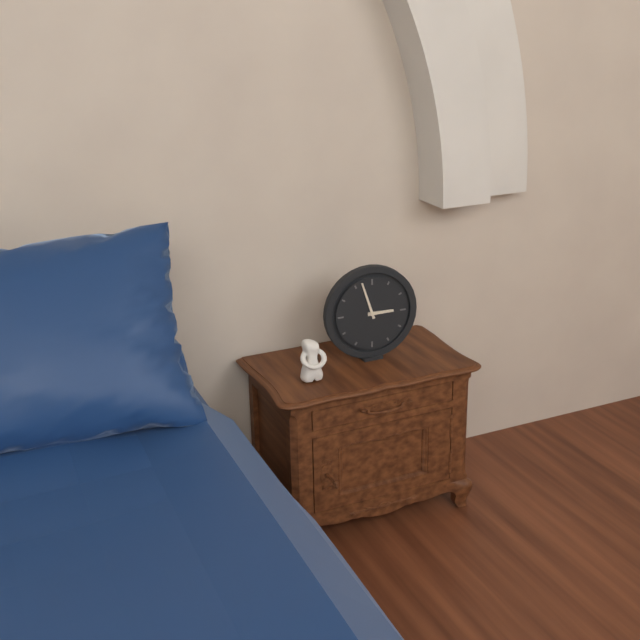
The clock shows 2:57
